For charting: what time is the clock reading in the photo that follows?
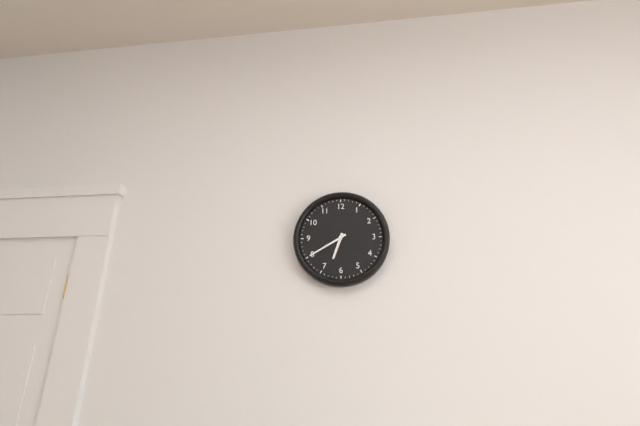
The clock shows 6:40
